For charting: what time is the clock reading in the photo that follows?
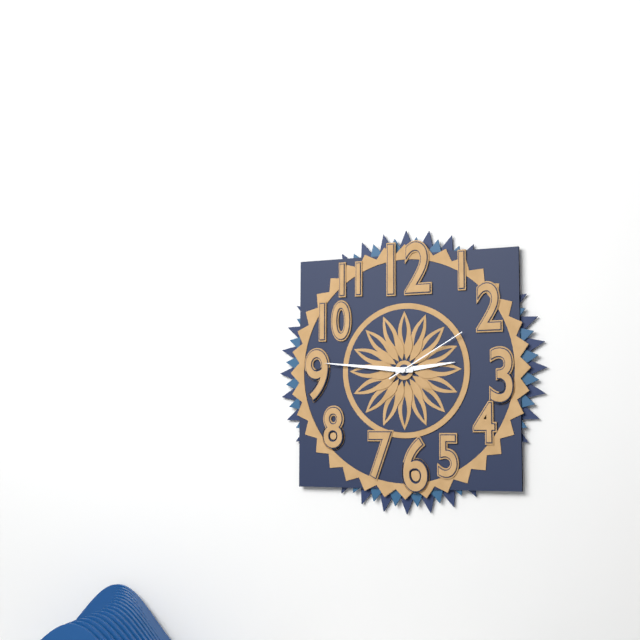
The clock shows 2:46:10
